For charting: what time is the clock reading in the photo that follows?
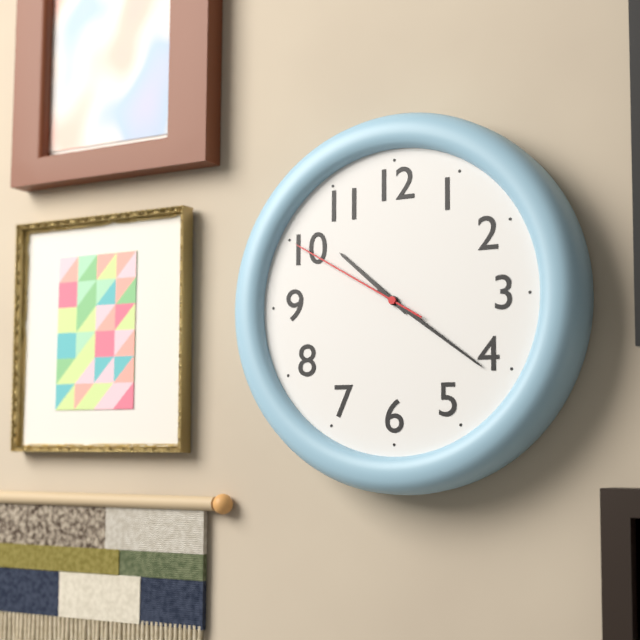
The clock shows 10:21:50
